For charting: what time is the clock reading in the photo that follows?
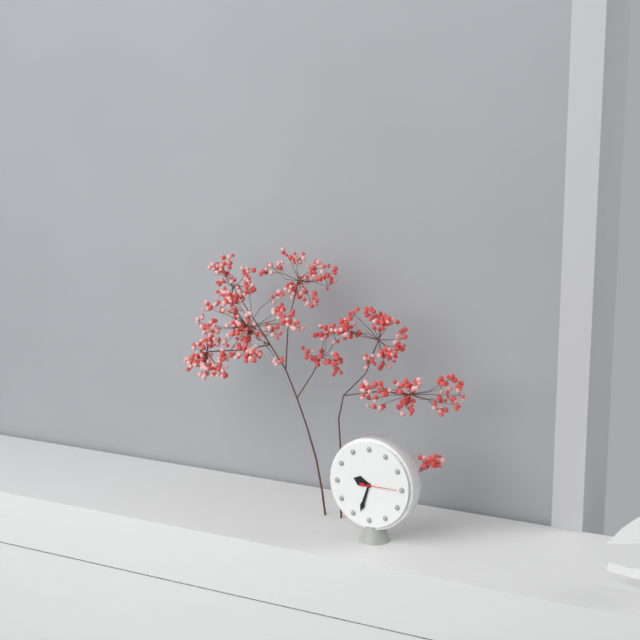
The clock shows 9:33
